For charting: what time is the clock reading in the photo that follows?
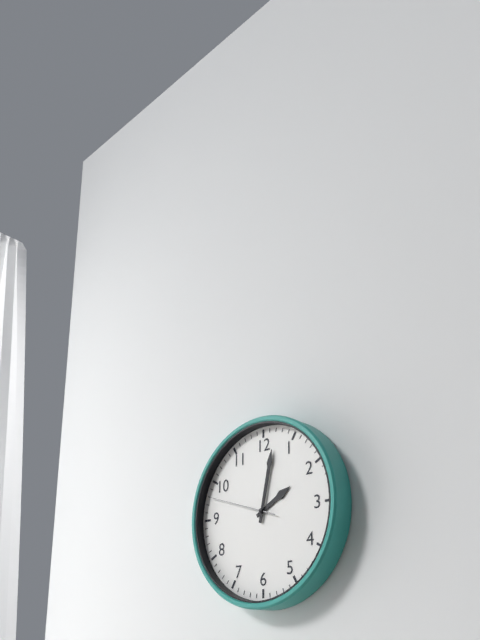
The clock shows 2:02:48
